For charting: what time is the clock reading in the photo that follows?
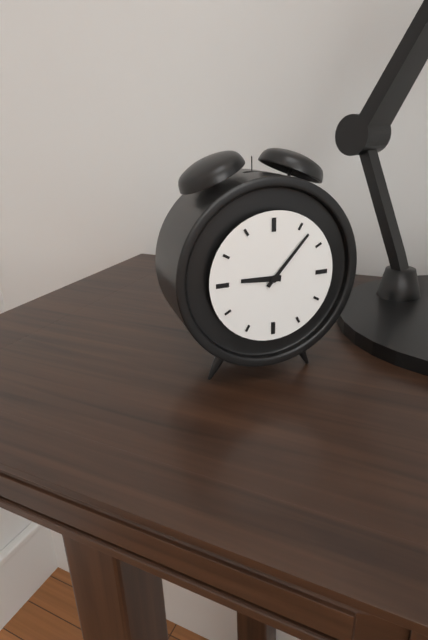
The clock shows 9:07
